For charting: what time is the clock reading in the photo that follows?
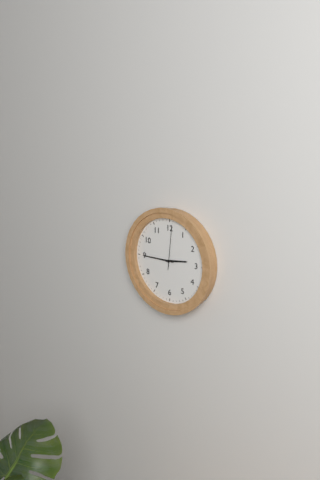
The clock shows 2:45
